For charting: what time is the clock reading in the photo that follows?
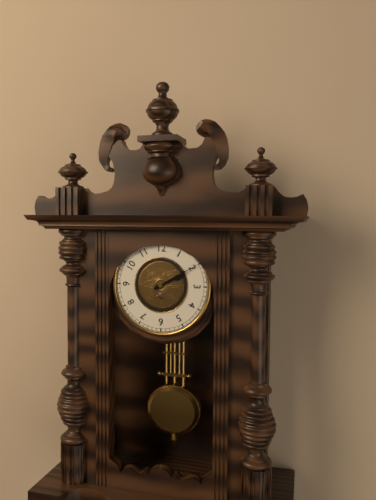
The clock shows 2:10
